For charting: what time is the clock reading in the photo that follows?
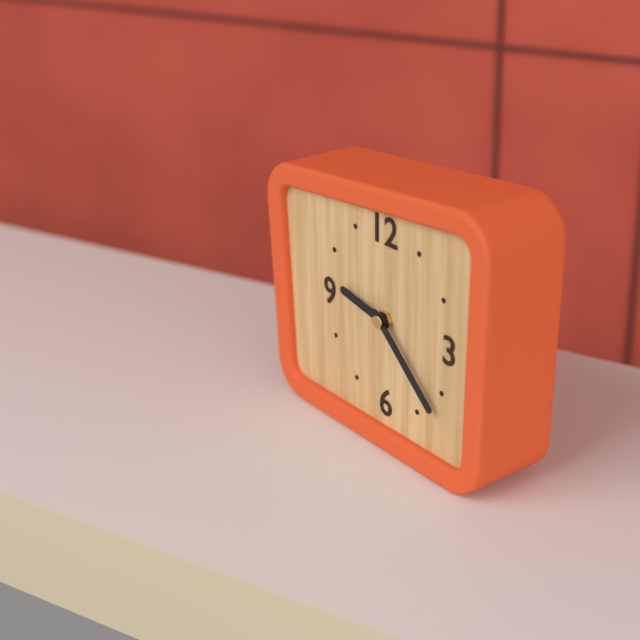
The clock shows 9:22
